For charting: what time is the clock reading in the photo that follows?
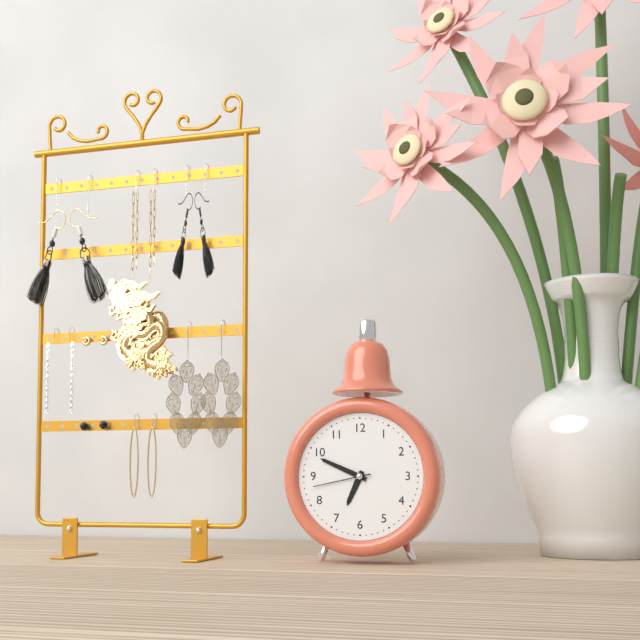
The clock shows 6:49:43
